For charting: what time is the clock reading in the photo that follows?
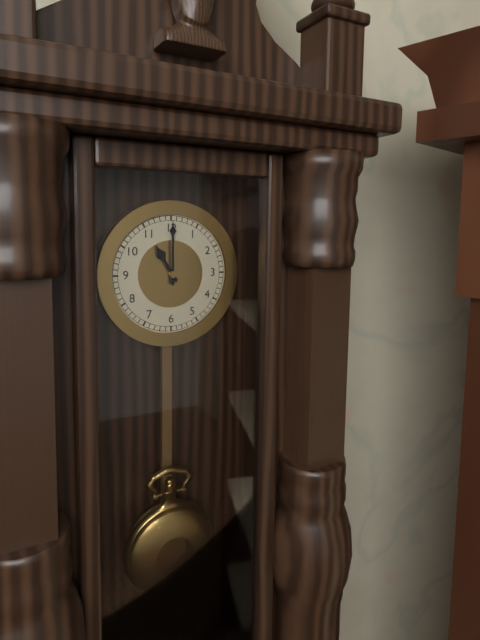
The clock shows 11:00
